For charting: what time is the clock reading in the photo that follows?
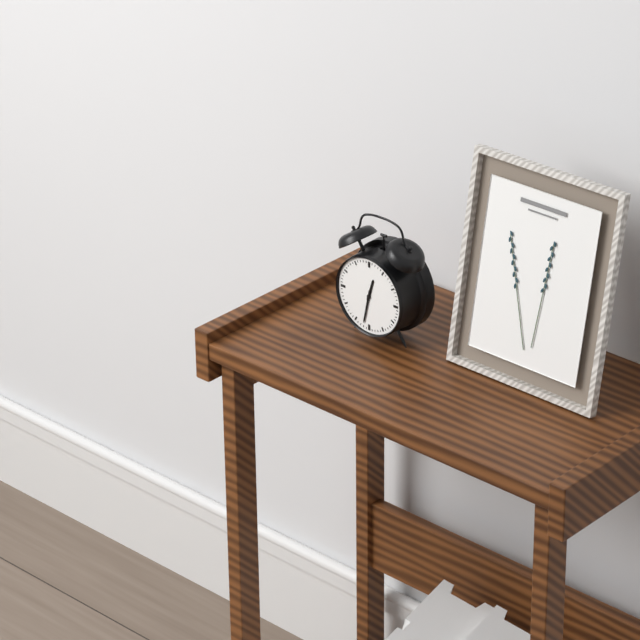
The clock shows 12:32
